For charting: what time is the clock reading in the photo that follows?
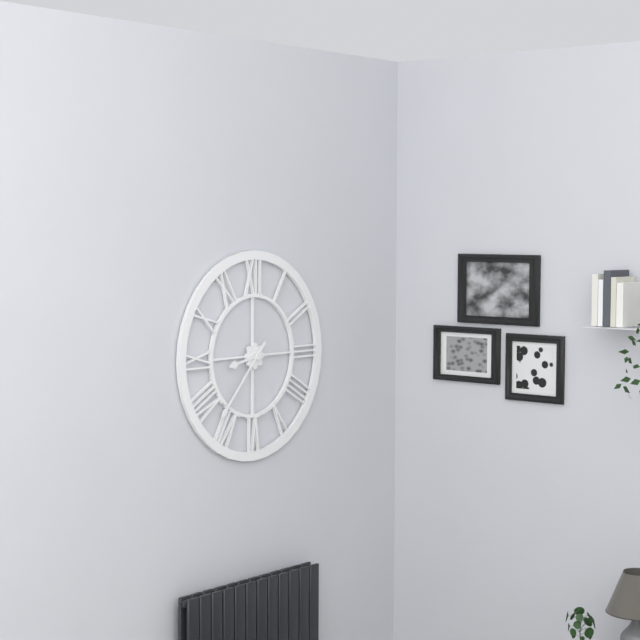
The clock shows 8:37
